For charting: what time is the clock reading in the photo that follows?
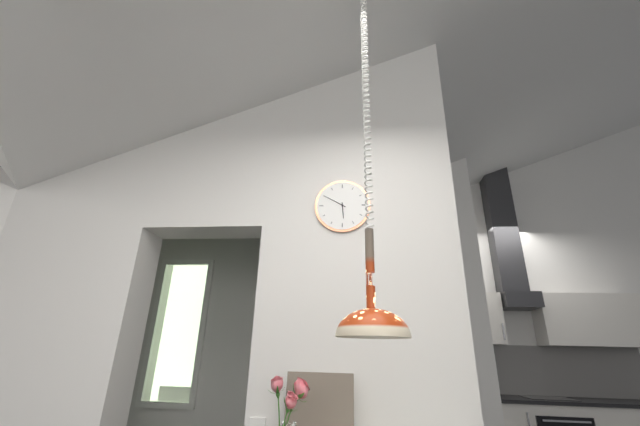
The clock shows 5:50
